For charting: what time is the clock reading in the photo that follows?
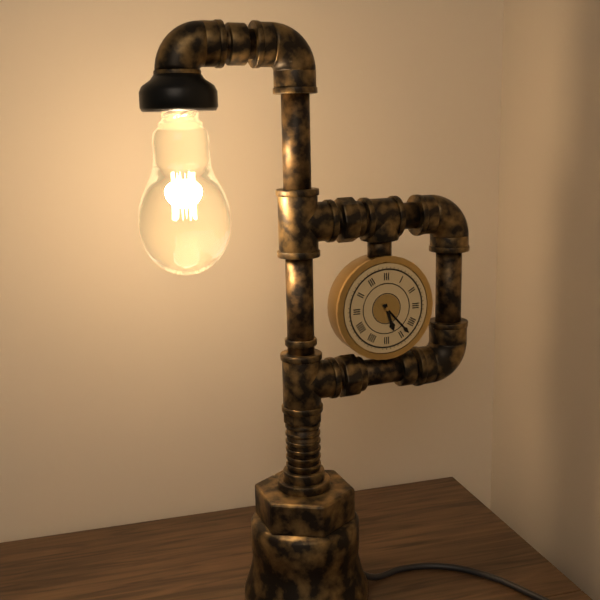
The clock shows 5:23
